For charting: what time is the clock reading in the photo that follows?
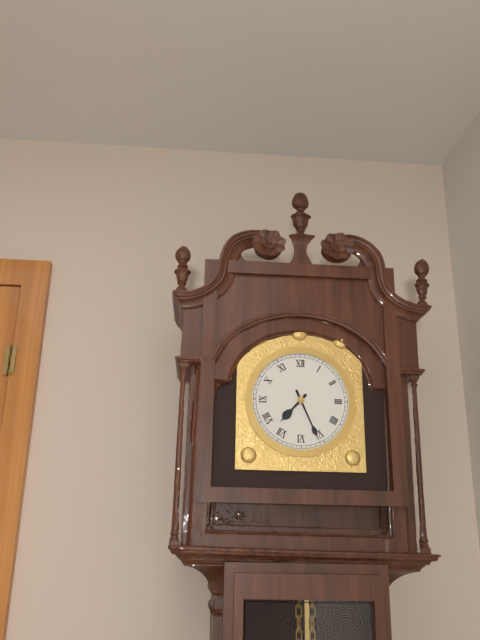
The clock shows 7:26
